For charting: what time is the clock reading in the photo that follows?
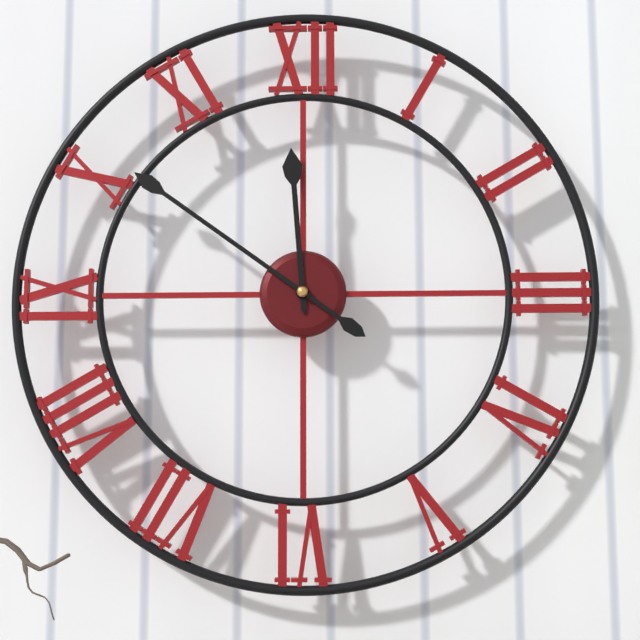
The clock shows 11:51
